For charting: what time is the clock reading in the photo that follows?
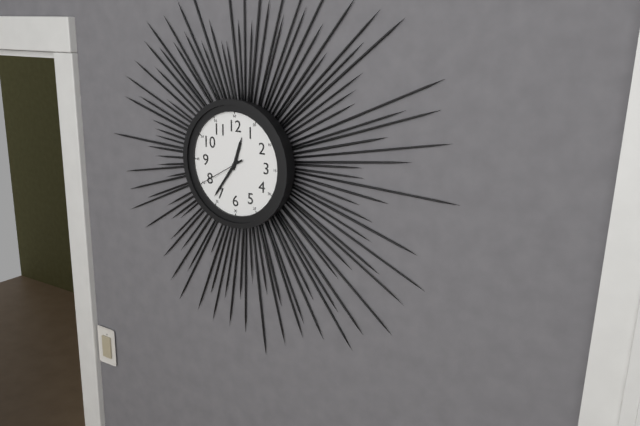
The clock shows 12:36
